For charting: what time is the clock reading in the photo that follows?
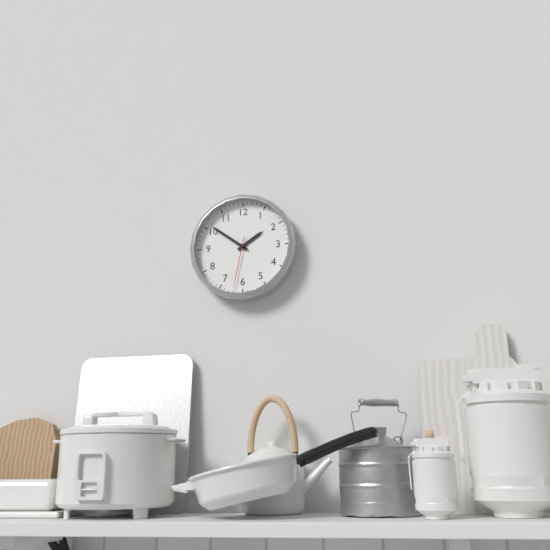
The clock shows 1:51:32
